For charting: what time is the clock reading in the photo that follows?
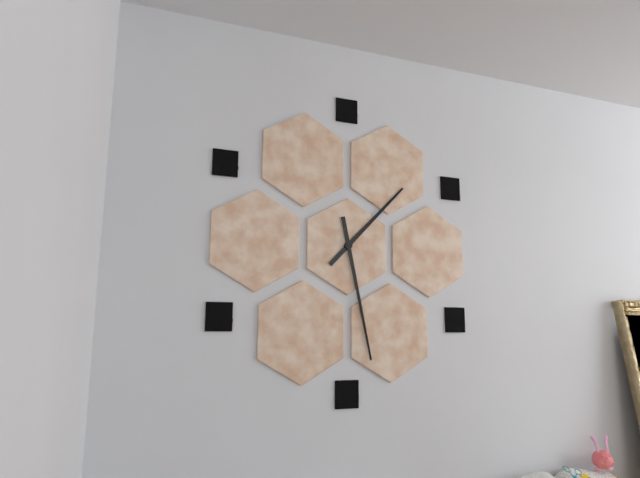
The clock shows 1:28
